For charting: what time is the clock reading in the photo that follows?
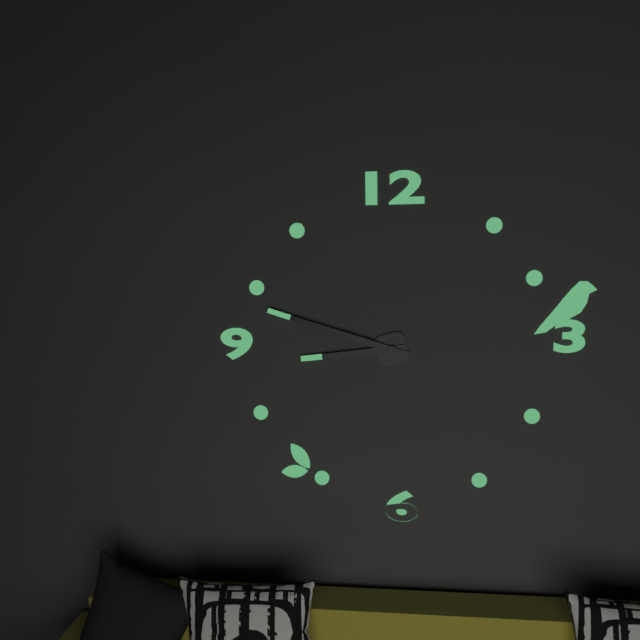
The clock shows 8:48
